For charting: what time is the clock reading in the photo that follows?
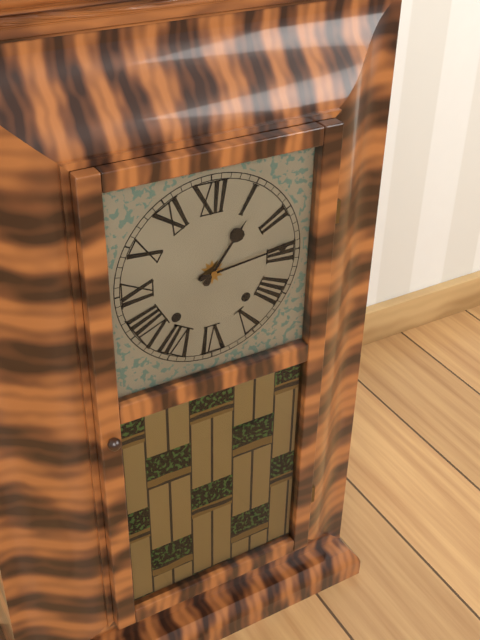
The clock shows 1:14
